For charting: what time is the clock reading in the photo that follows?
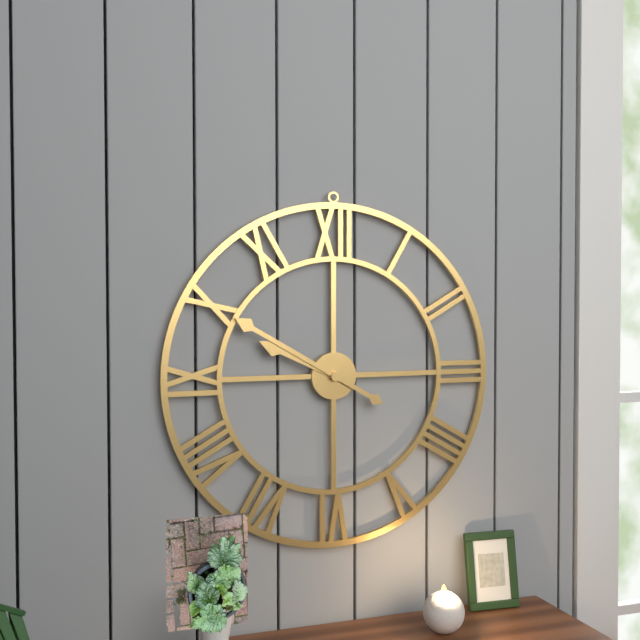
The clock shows 9:50
